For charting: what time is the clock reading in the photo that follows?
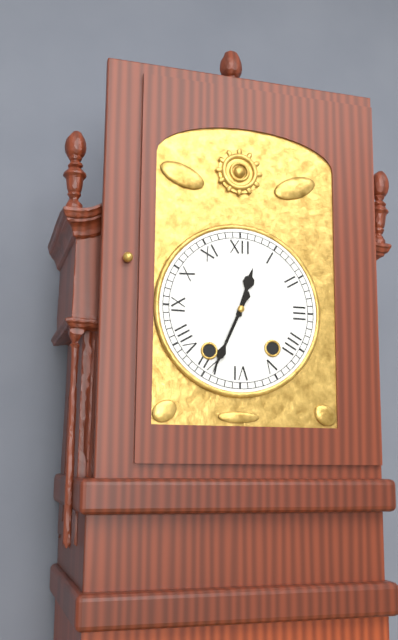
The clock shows 12:34
